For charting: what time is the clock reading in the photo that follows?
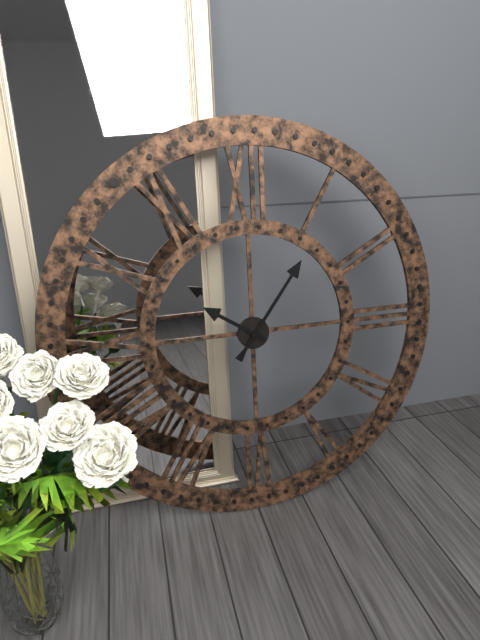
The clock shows 10:06
